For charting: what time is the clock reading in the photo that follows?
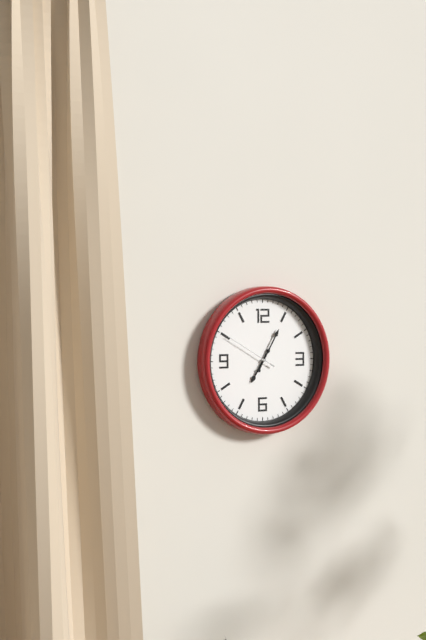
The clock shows 7:05
